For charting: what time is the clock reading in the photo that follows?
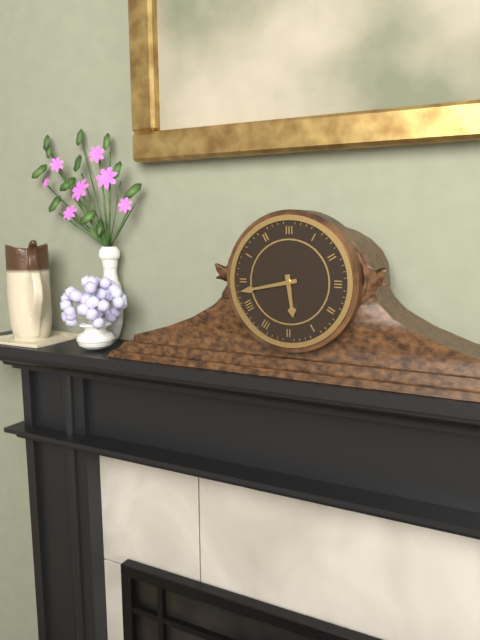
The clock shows 5:43
